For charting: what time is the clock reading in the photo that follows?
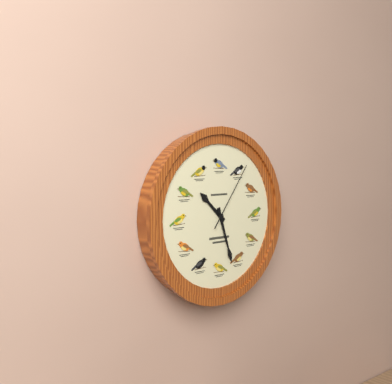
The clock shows 10:27:06
